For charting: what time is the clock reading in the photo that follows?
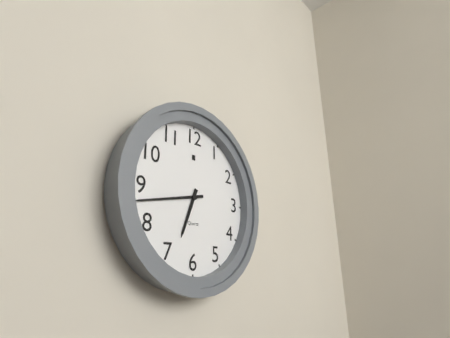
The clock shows 6:43
